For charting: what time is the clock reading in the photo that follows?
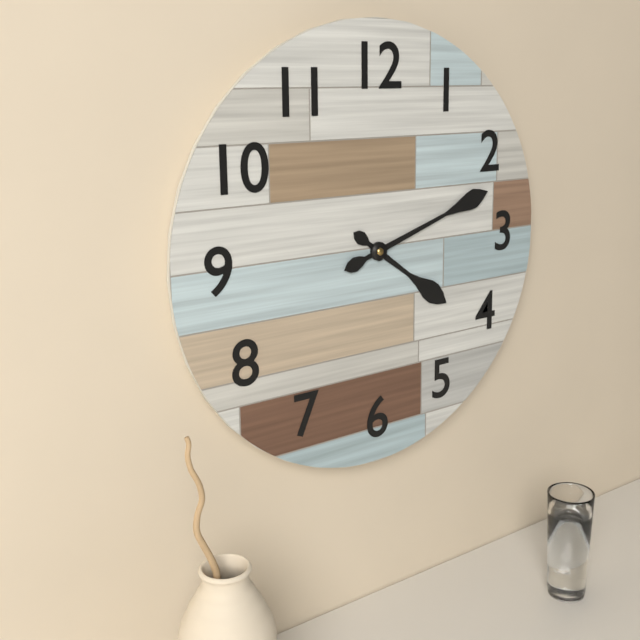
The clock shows 4:12
